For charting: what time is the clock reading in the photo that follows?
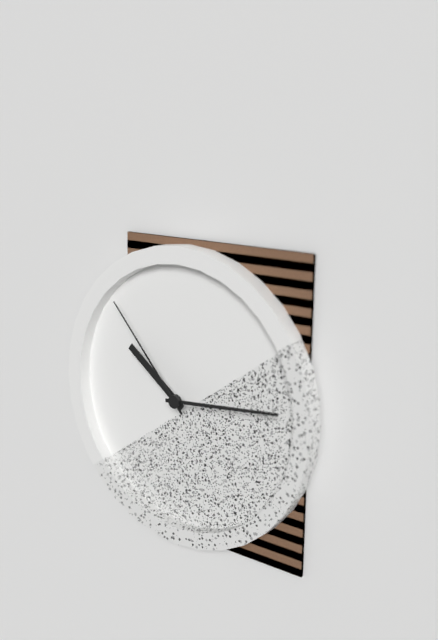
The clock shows 10:14:53
